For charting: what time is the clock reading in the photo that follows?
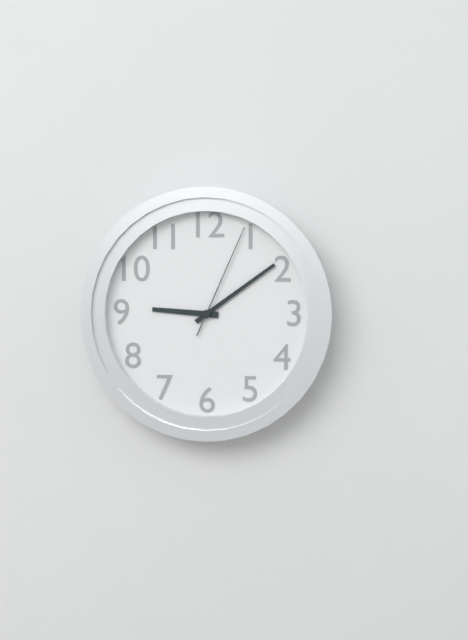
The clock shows 9:09:04
